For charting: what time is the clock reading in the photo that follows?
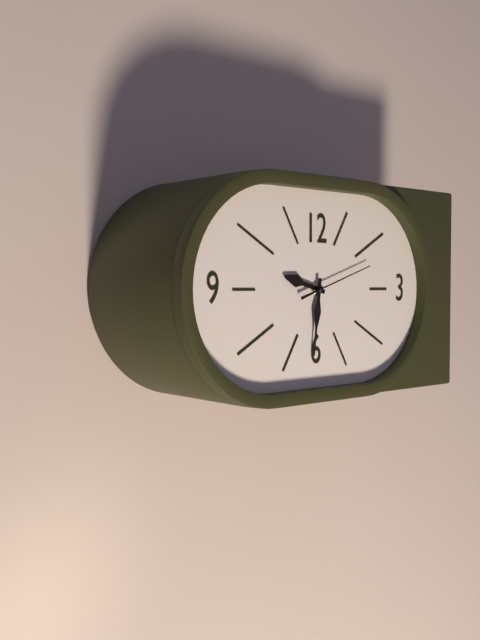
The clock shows 9:31:12
